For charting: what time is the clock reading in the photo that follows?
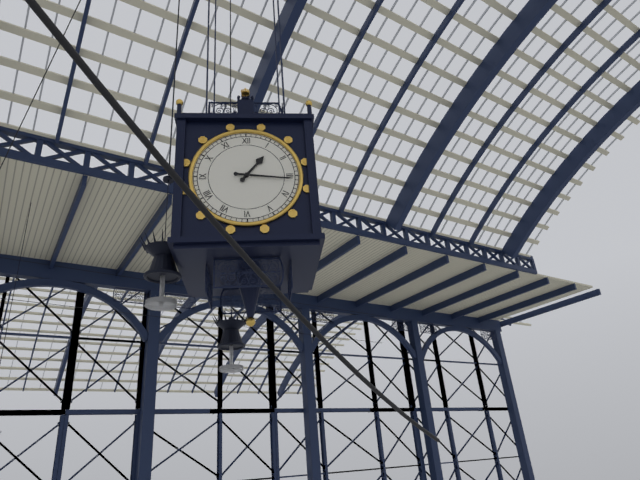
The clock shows 1:16
